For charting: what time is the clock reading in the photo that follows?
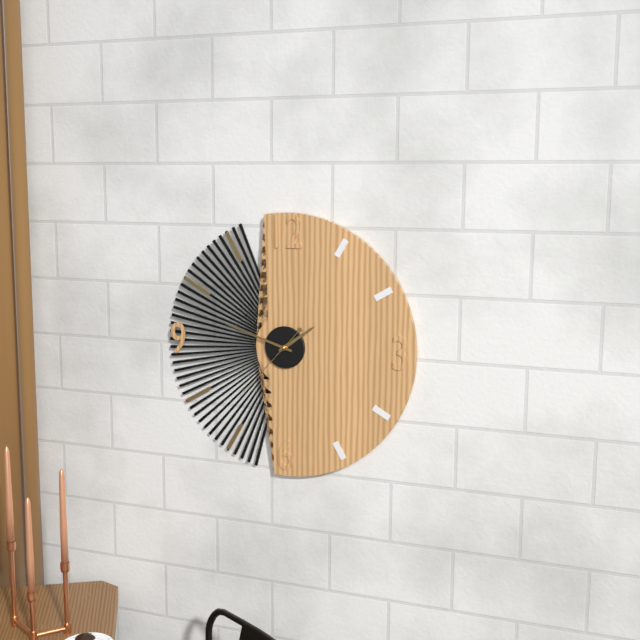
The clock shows 1:48:37
